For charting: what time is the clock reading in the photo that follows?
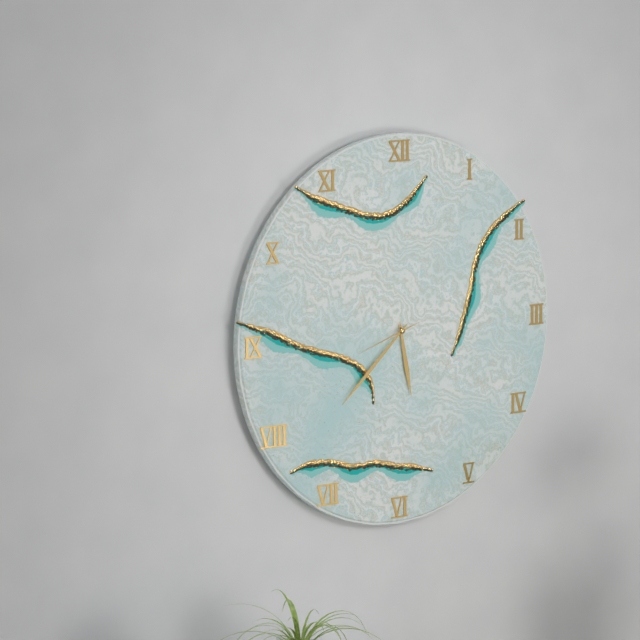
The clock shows 5:38:42
